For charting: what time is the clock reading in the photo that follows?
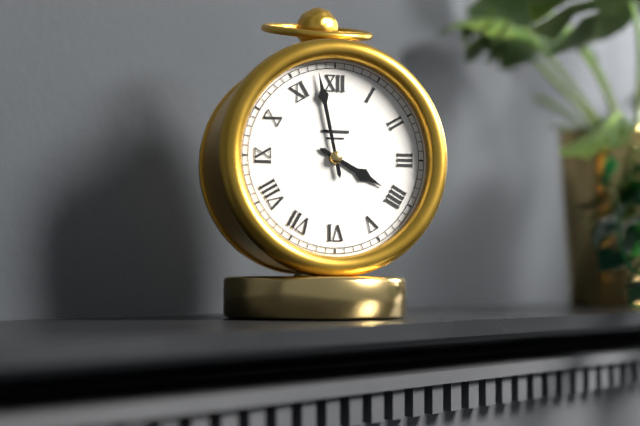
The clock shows 3:58
